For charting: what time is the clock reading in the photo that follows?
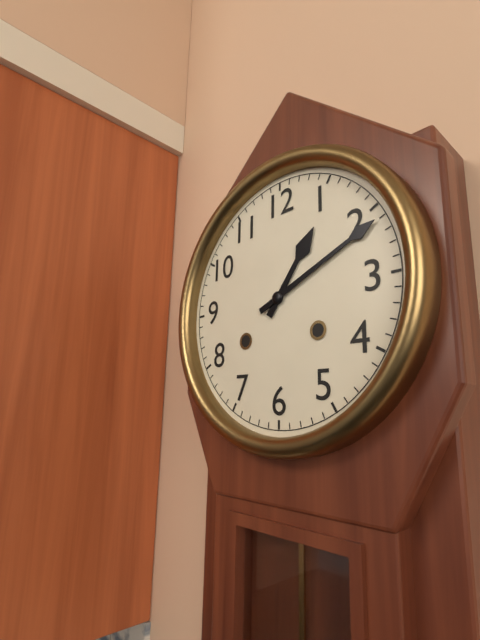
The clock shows 1:11
